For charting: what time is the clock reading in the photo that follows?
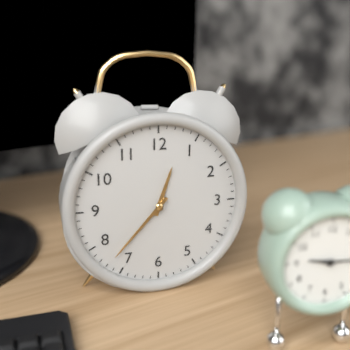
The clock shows 12:37
